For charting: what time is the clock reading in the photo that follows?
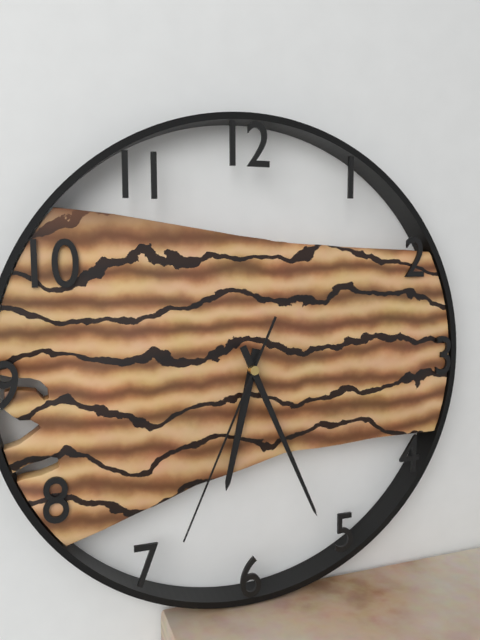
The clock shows 6:26:34
